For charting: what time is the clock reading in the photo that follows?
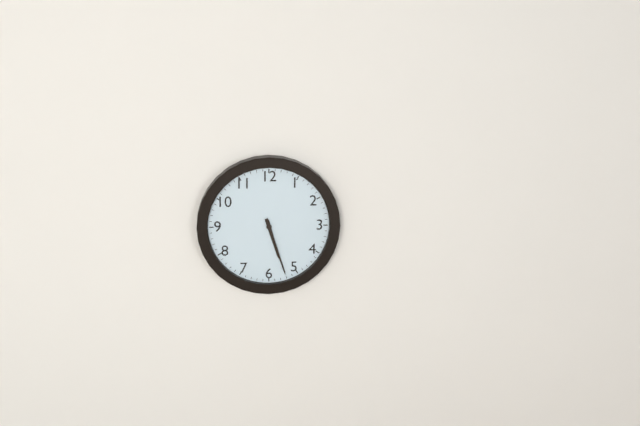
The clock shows 5:27
